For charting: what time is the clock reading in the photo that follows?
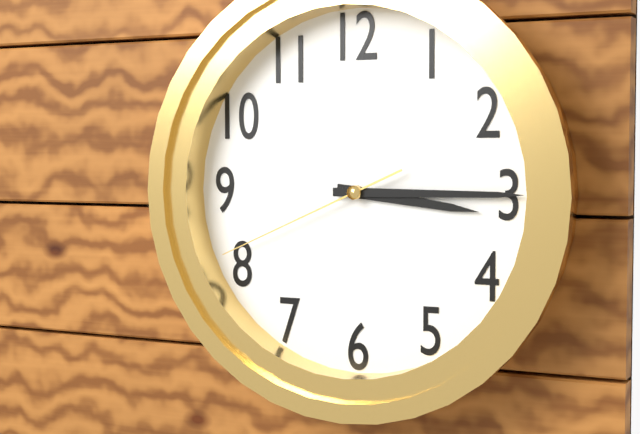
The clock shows 3:15:41
